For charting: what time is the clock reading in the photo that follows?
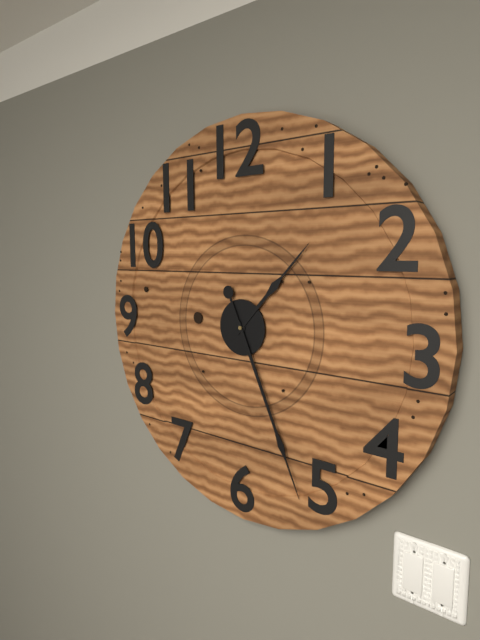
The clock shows 1:26
